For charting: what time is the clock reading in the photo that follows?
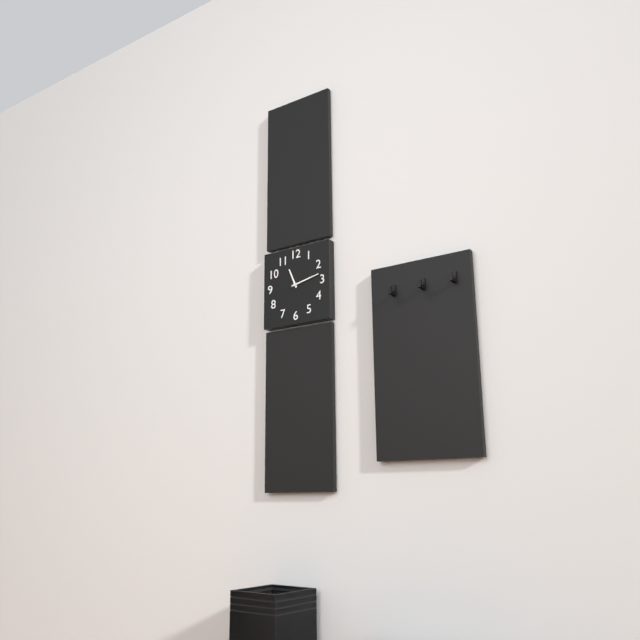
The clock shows 11:13
